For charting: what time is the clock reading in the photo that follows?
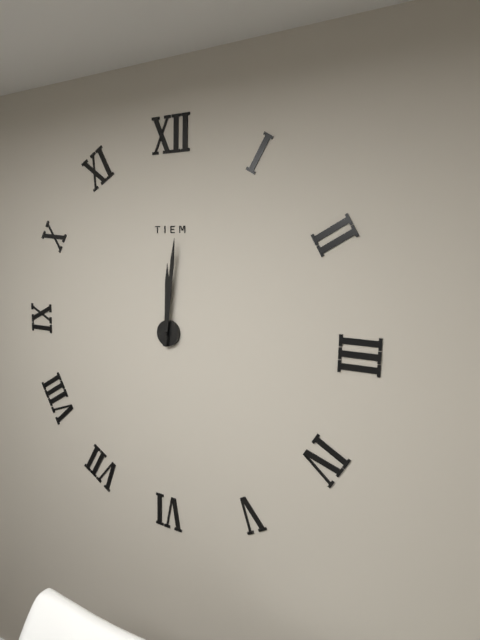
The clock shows 12:01
